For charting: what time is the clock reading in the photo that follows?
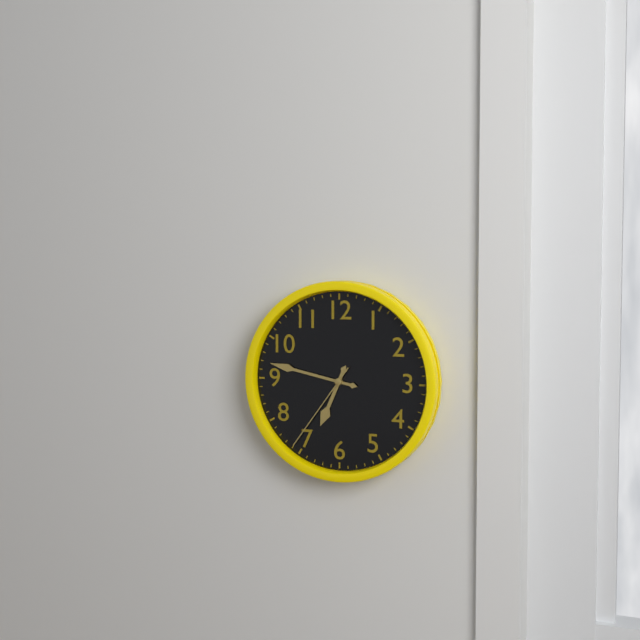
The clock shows 6:47:36
